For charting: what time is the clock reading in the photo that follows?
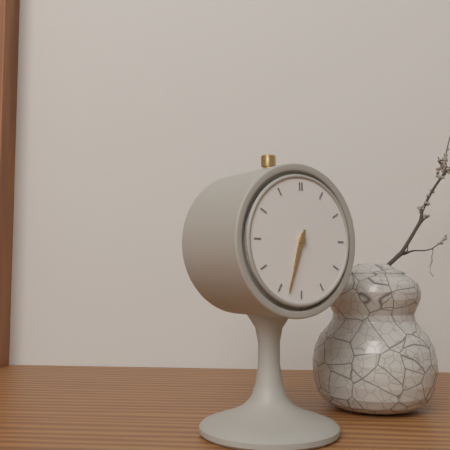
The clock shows 6:33
